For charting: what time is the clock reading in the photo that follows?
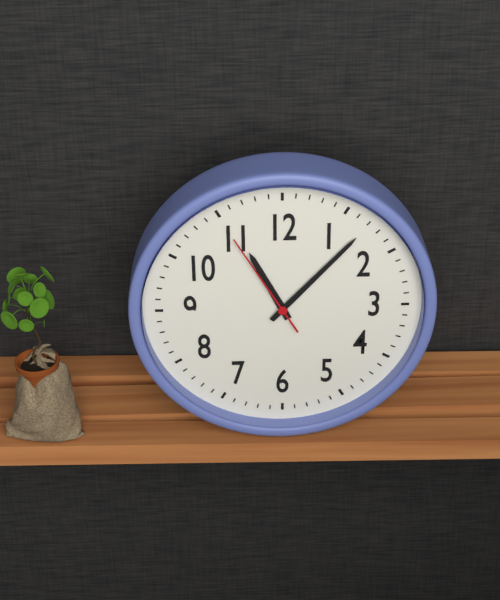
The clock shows 11:07:55
